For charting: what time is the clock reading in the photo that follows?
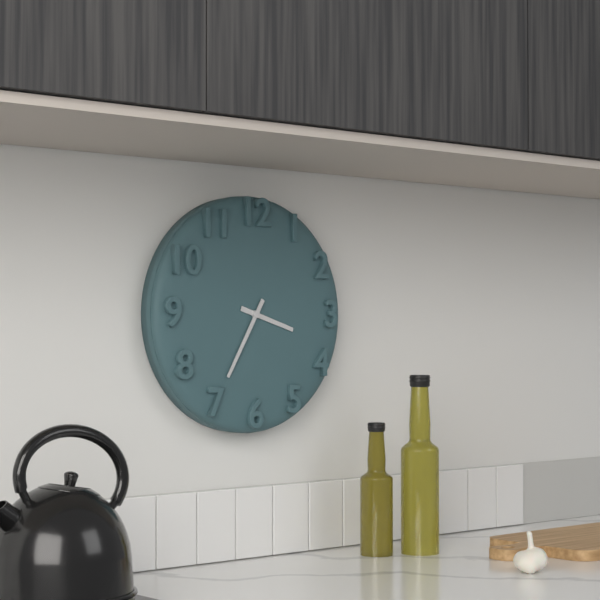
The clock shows 3:35
